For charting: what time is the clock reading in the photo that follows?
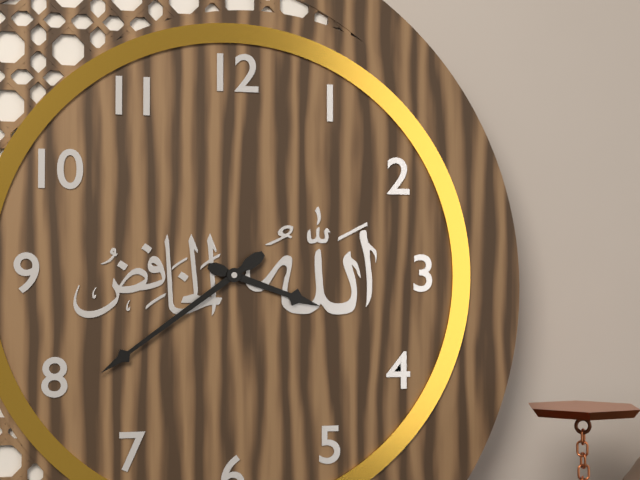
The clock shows 3:39
